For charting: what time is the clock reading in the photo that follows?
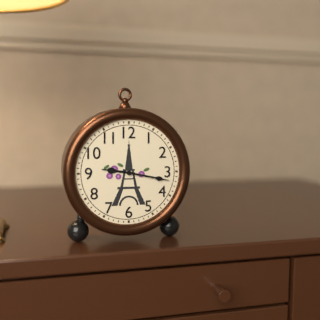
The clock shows 9:17
